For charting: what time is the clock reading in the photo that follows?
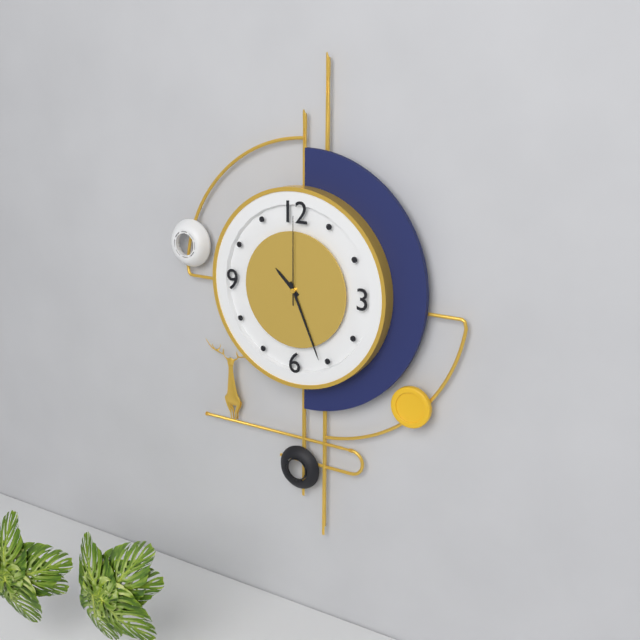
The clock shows 10:26:00
